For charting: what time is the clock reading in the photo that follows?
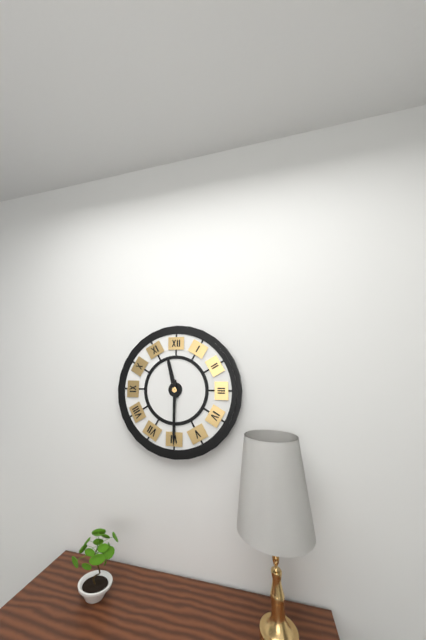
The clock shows 11:30
